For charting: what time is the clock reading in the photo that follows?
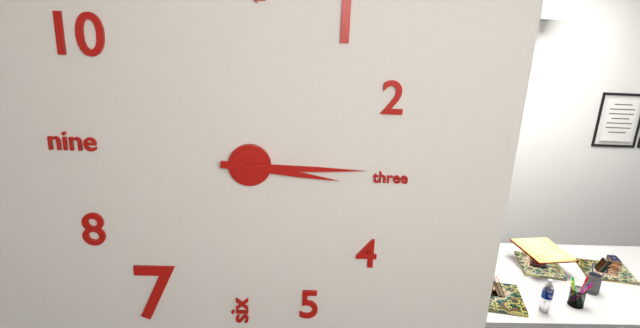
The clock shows 3:15
